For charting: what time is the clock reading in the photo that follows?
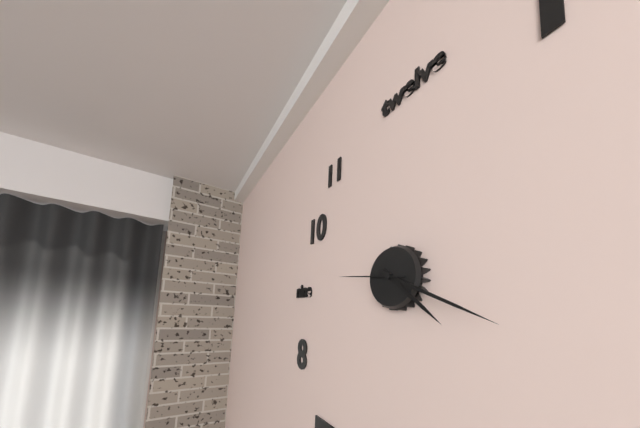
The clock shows 4:19:46
